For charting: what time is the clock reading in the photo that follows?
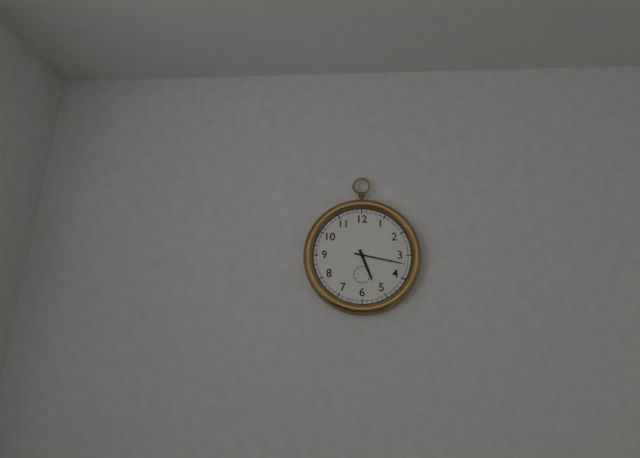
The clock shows 5:17
